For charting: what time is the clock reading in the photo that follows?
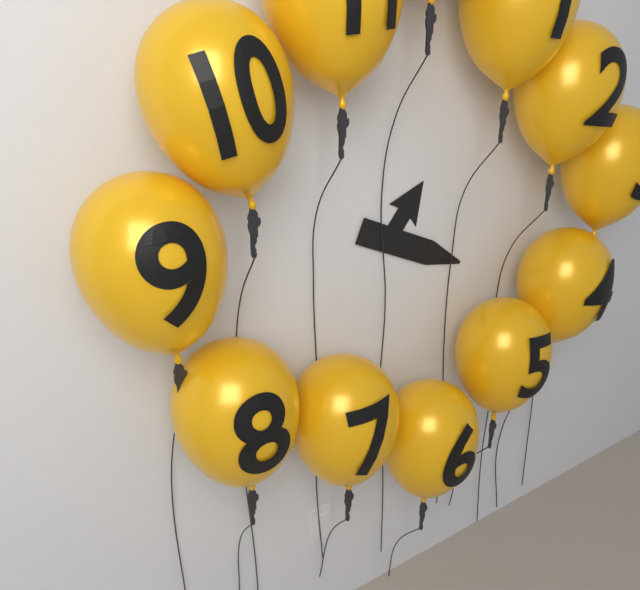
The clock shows 1:19
